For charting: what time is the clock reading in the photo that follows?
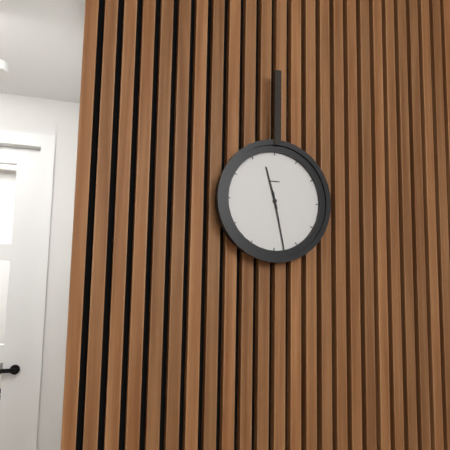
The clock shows 11:28
